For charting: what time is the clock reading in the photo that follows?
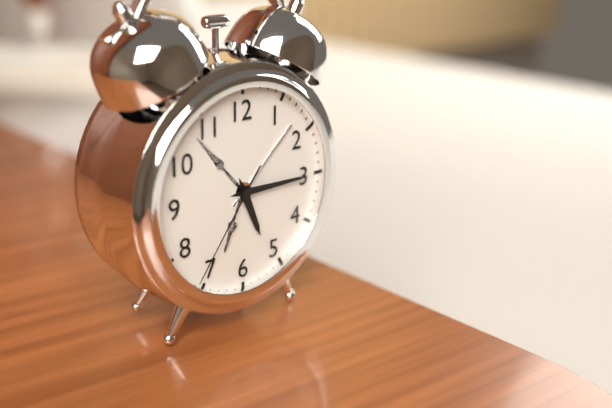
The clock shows 5:15:36
